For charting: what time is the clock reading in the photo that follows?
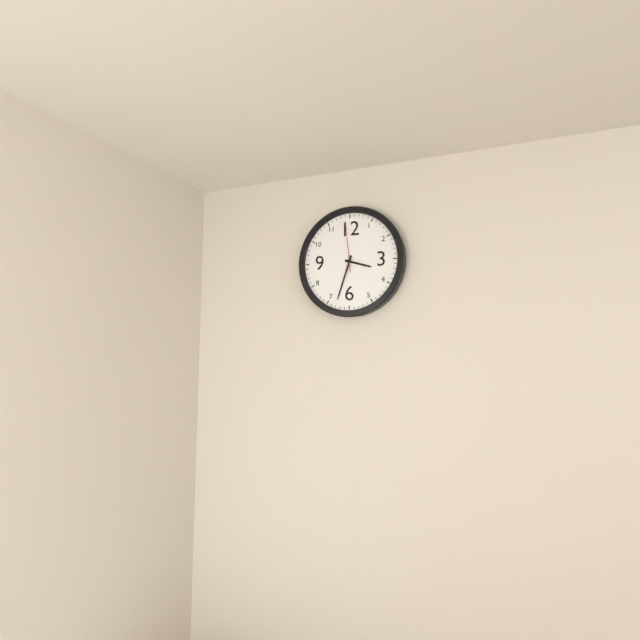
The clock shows 3:33:59
